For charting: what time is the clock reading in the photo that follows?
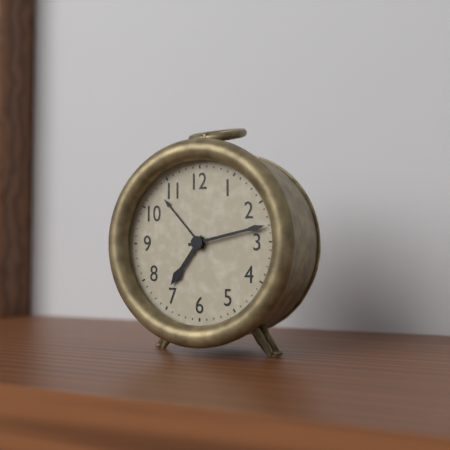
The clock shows 7:13
